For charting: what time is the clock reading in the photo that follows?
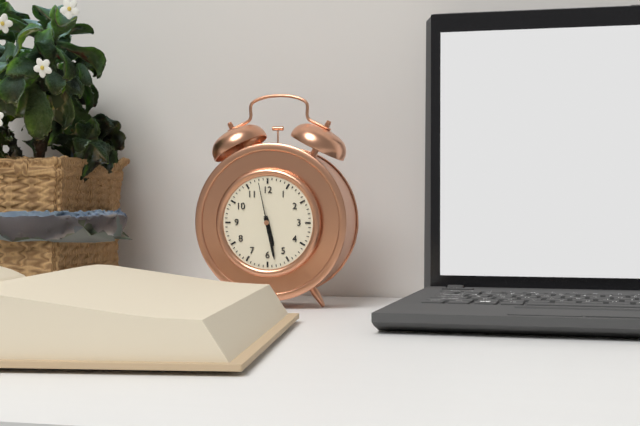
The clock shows 5:28:58
